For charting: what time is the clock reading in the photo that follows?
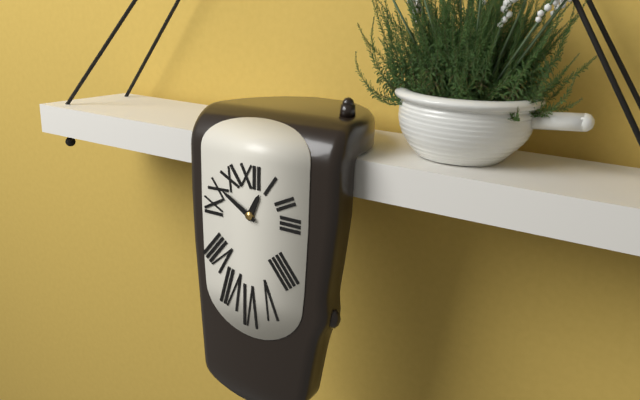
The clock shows 12:50
